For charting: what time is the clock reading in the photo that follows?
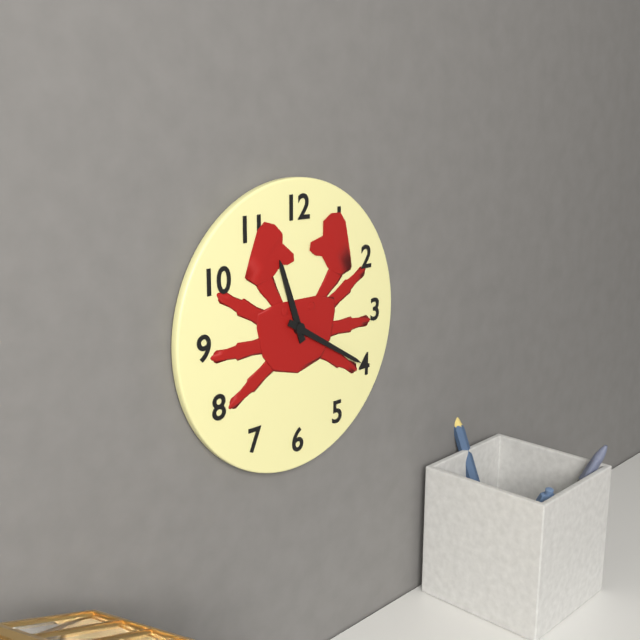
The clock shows 11:20
